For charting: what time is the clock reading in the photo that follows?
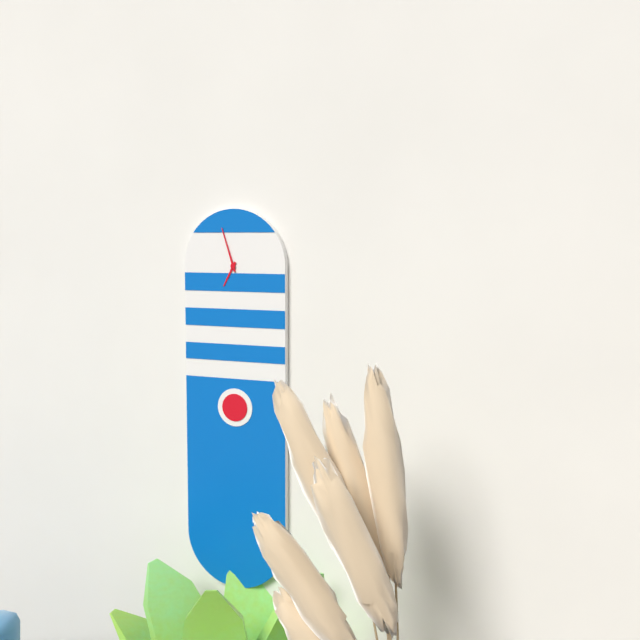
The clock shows 6:57
